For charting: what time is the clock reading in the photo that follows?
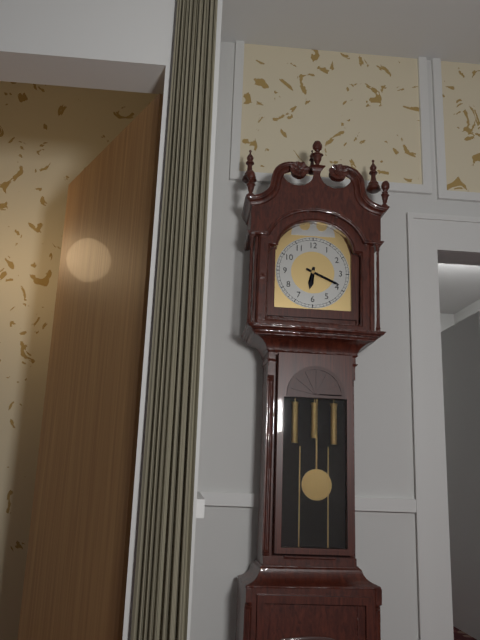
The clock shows 6:19
